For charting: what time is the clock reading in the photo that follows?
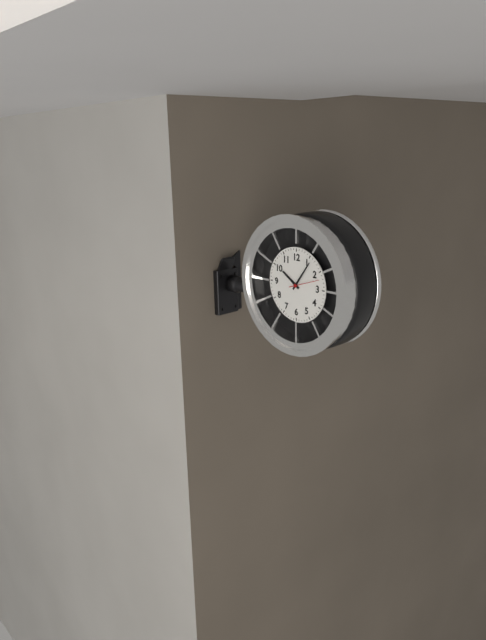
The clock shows 10:06
